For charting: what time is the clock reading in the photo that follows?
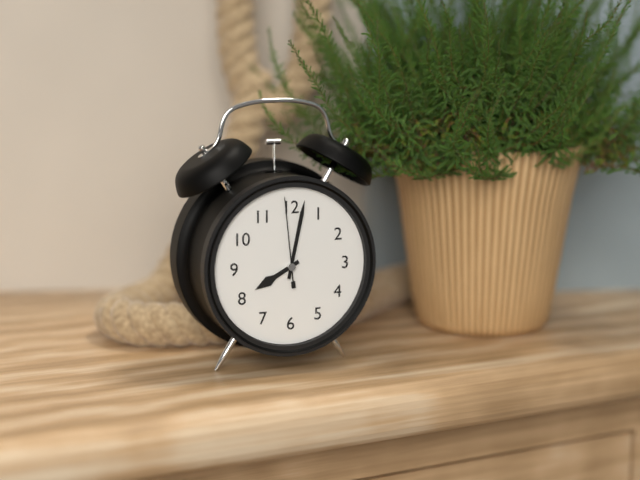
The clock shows 8:02:59
